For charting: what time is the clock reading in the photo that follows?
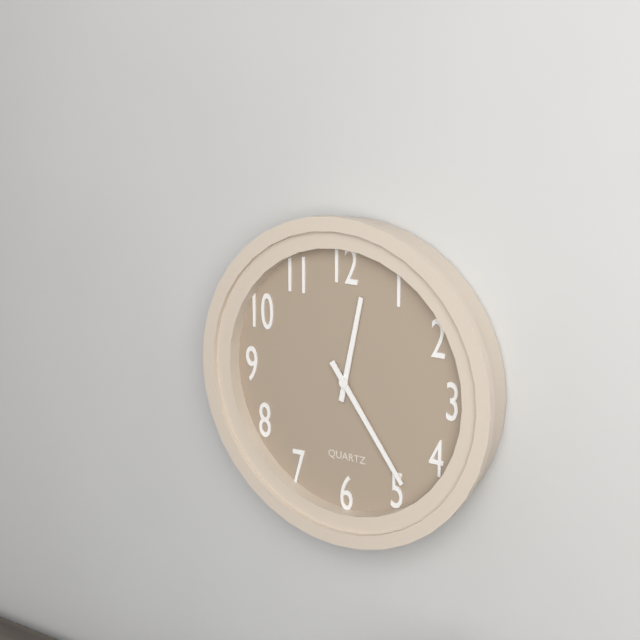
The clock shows 12:24
